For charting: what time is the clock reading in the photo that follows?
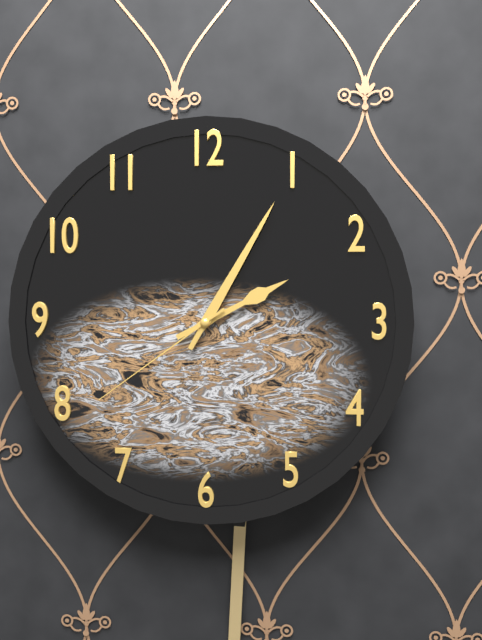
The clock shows 2:05:39
